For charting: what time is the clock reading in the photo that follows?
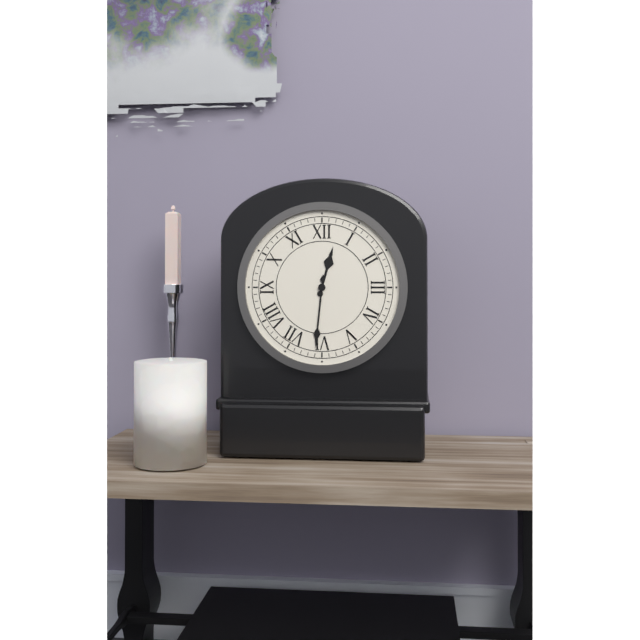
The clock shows 12:31
